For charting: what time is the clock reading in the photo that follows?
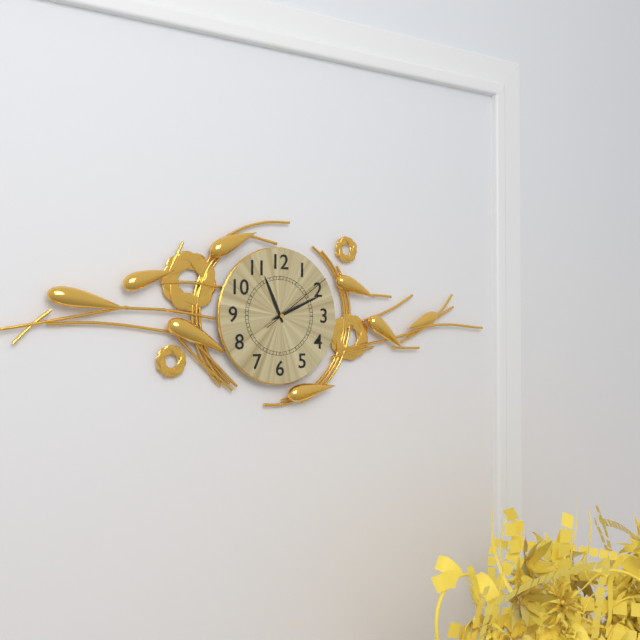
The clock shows 11:11:09
